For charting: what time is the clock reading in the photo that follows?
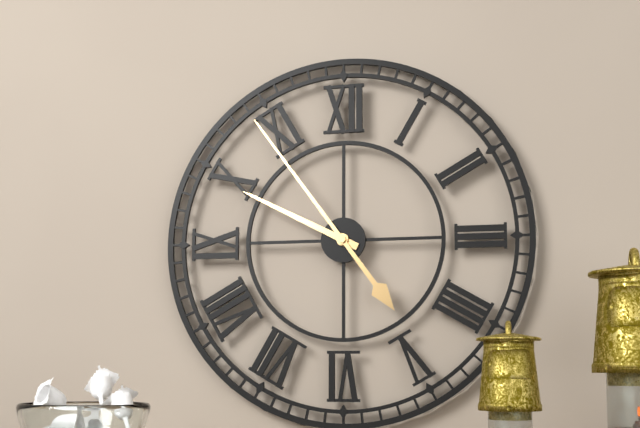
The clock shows 9:54
